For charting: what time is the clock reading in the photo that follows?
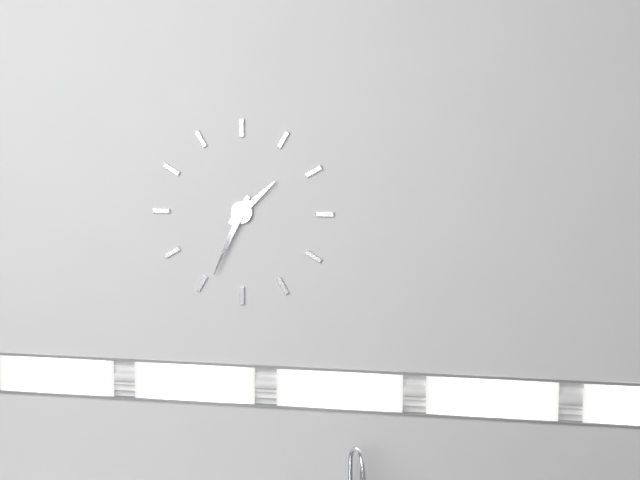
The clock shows 1:34
